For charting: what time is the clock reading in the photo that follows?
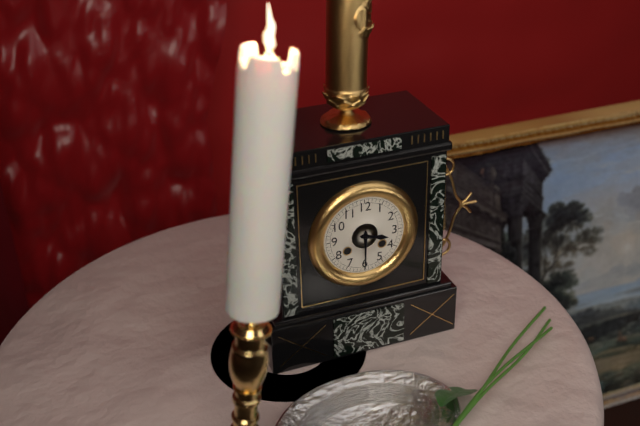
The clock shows 3:30
